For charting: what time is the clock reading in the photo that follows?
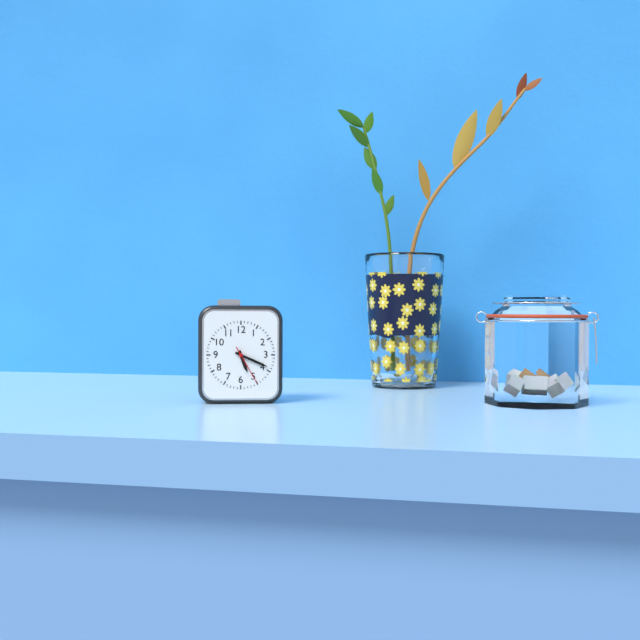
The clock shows 5:19
